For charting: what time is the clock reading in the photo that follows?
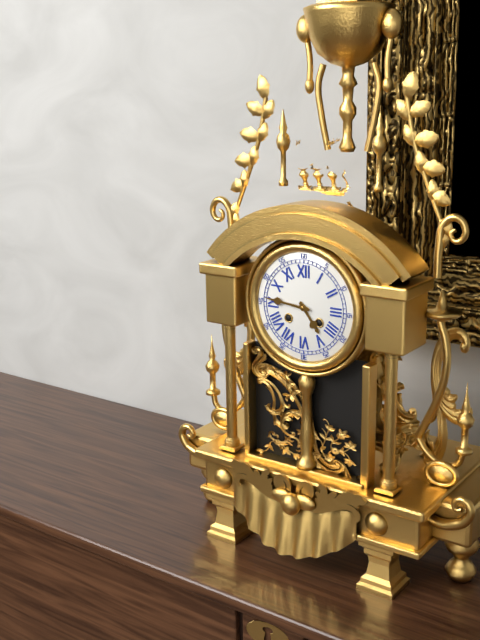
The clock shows 4:46
